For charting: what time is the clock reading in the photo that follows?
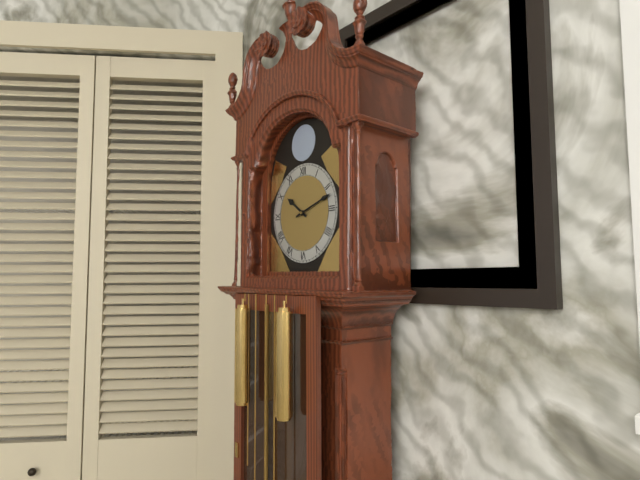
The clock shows 10:12
